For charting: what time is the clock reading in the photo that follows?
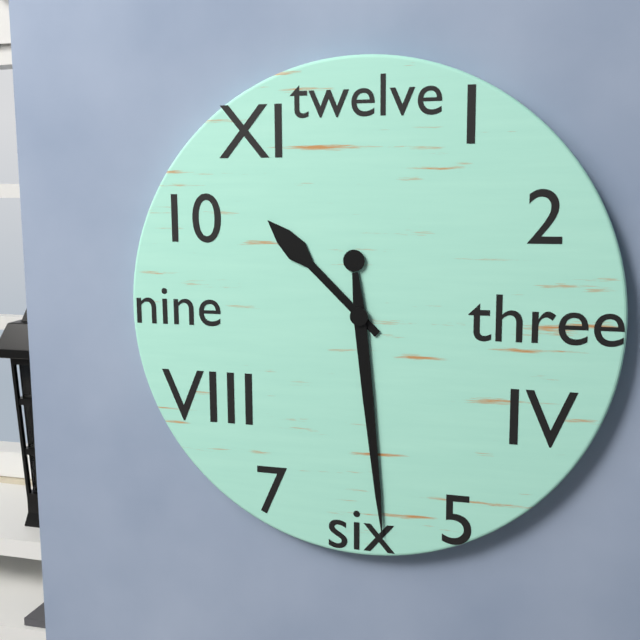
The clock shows 10:29
